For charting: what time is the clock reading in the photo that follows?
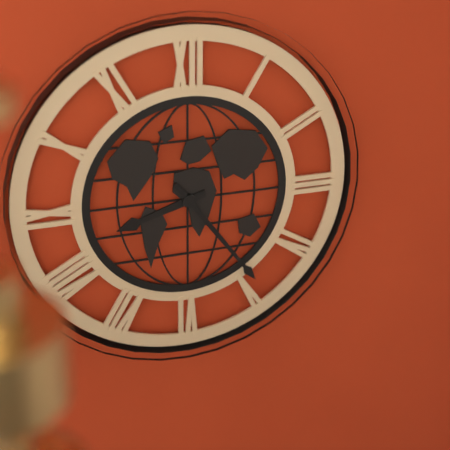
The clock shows 8:24
